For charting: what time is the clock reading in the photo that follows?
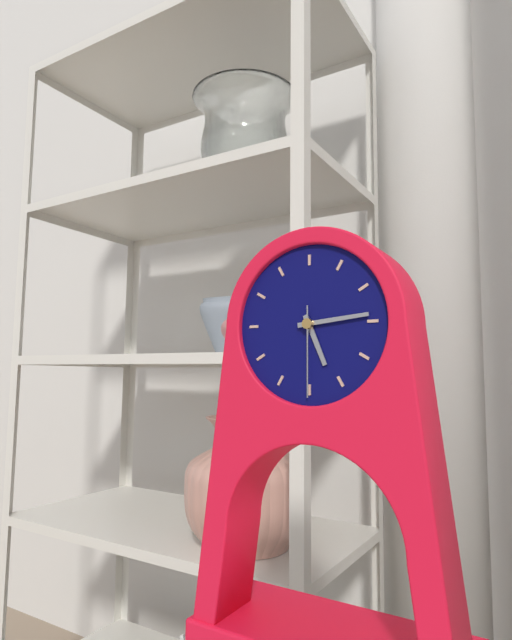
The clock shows 5:14:30
